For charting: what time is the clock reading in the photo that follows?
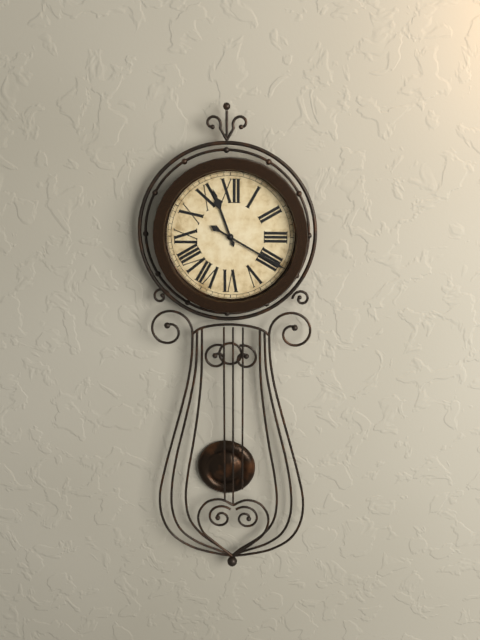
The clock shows 11:20
